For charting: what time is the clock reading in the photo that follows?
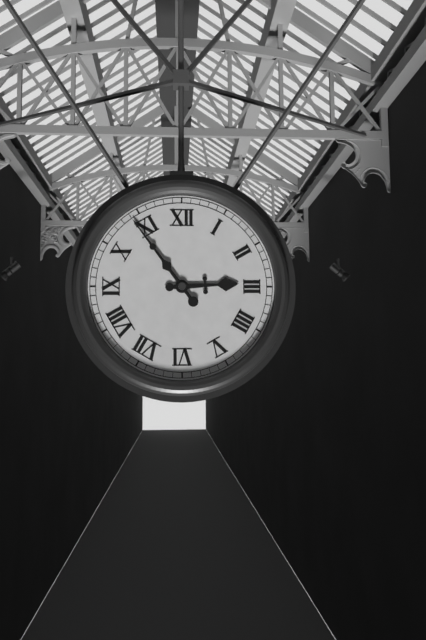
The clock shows 2:54
